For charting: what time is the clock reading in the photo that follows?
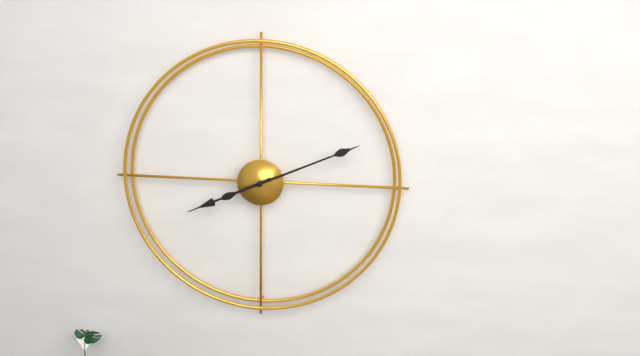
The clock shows 8:11
